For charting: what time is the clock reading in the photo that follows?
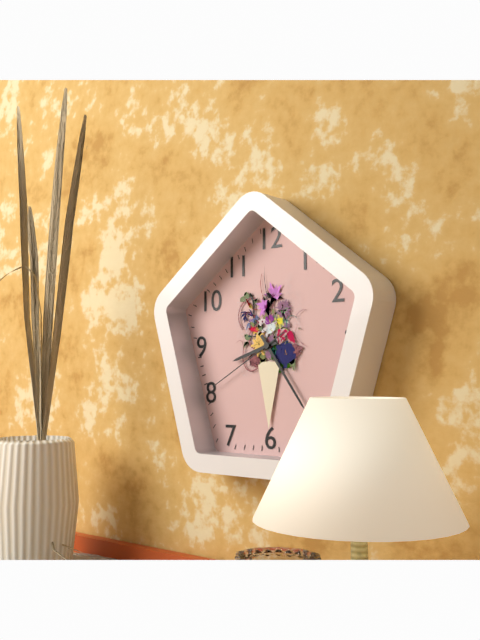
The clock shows 8:24:40
